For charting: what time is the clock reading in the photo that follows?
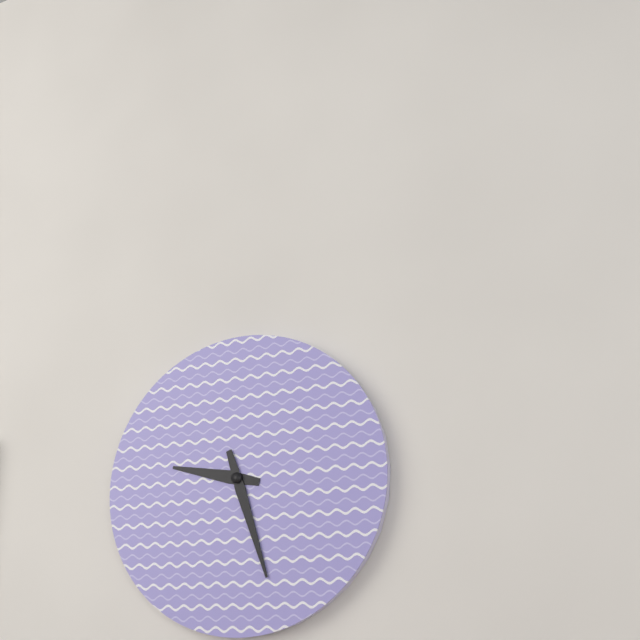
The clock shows 9:27
